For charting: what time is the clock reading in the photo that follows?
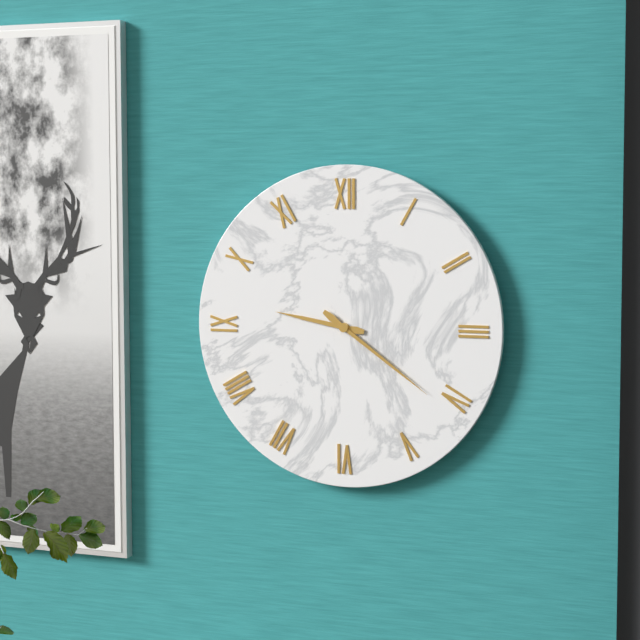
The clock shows 9:21
